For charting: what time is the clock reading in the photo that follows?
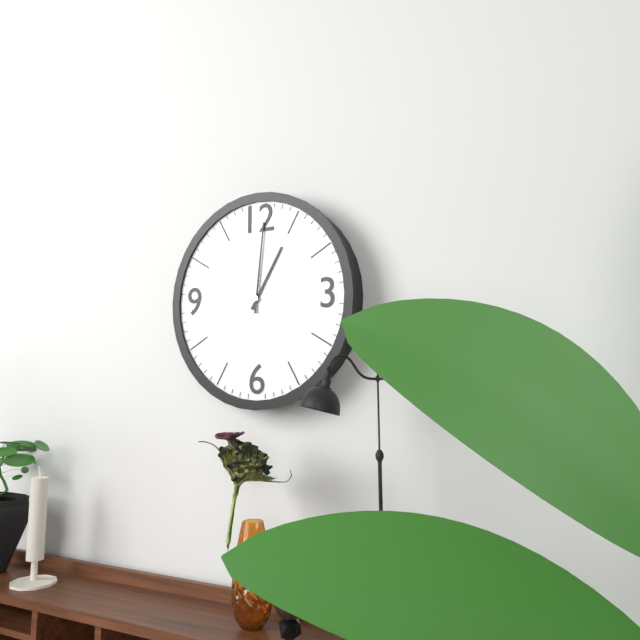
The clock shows 1:01
